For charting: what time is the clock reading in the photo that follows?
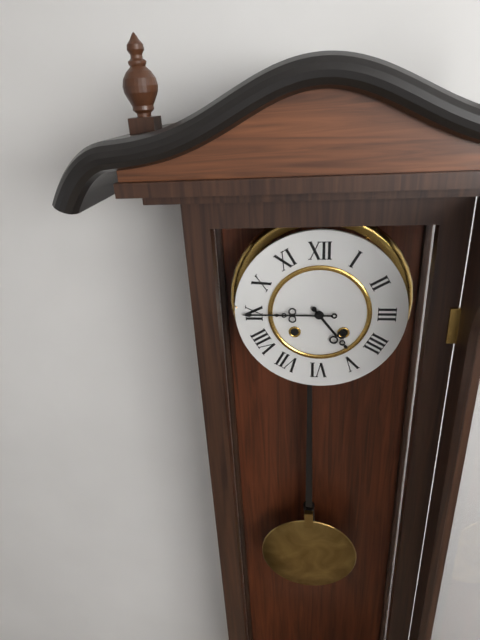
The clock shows 4:45
